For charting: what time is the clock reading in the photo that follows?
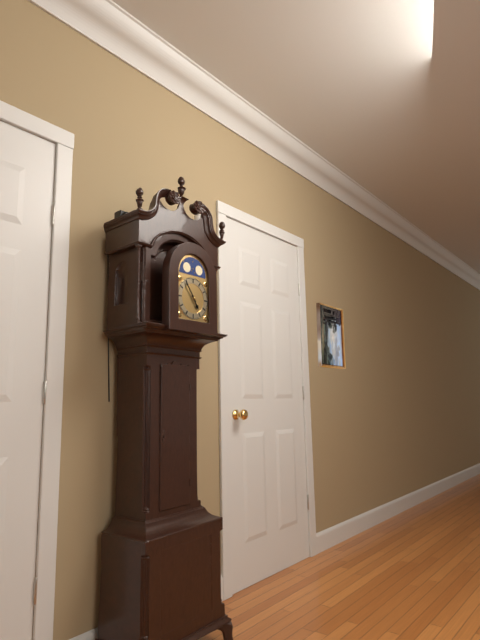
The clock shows 4:54
